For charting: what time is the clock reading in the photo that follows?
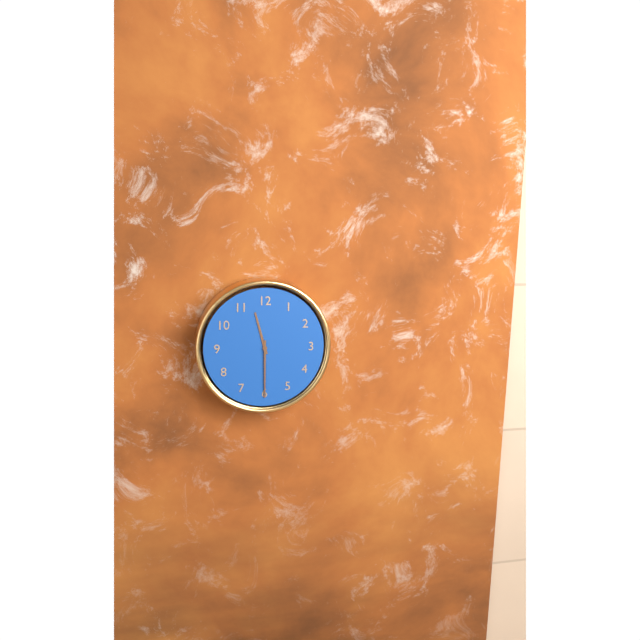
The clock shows 11:30
